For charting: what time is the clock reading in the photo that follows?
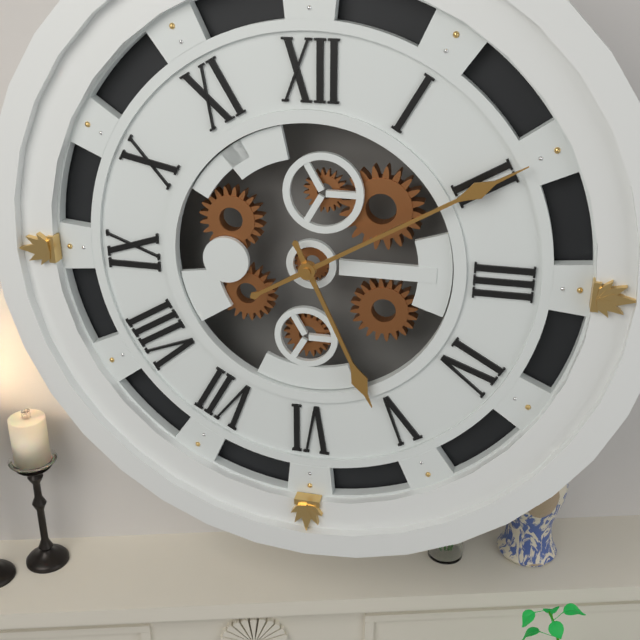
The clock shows 5:10
